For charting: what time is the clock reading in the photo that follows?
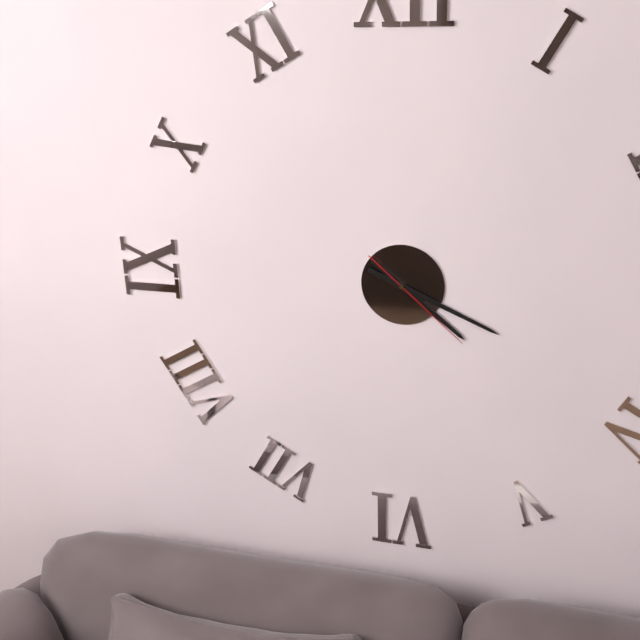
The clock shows 4:19:22
